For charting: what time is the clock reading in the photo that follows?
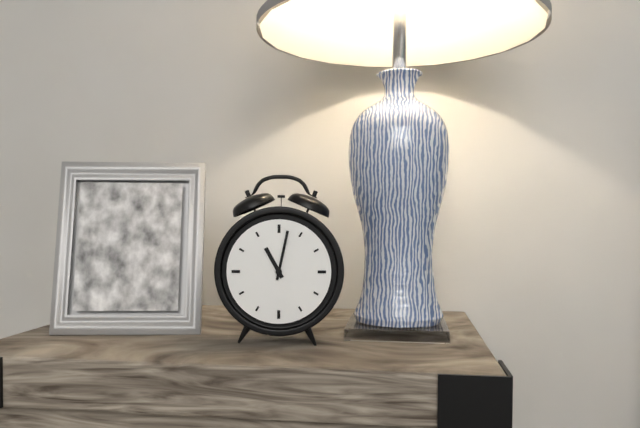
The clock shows 11:02
